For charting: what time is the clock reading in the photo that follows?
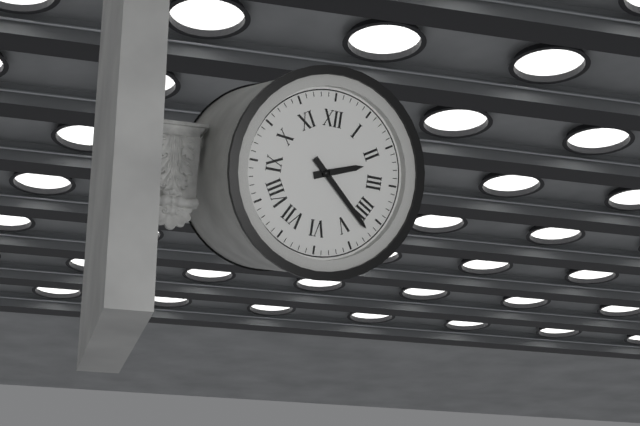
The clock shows 2:22
